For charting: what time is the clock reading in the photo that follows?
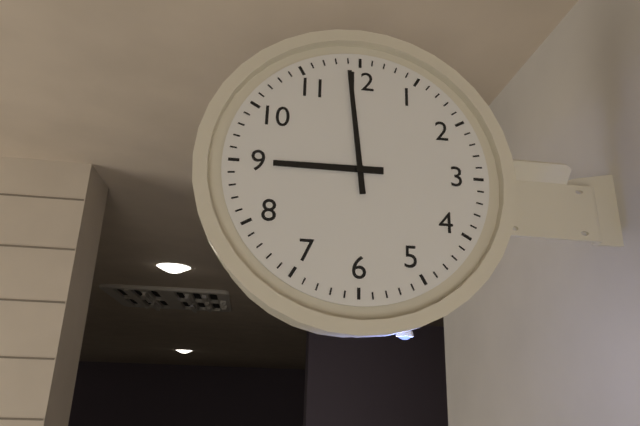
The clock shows 8:59
